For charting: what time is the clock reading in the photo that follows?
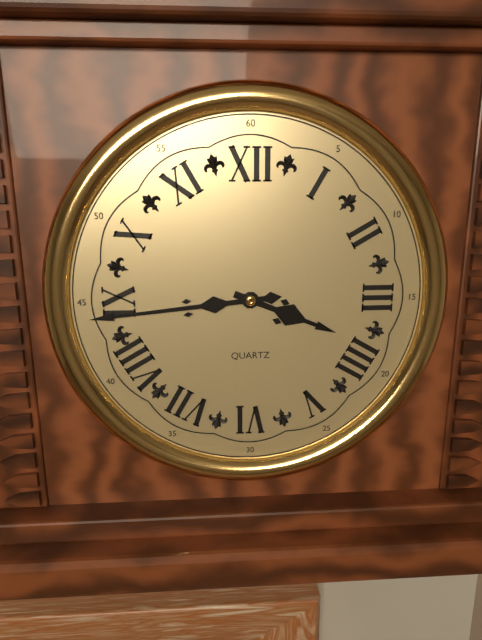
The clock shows 3:44
